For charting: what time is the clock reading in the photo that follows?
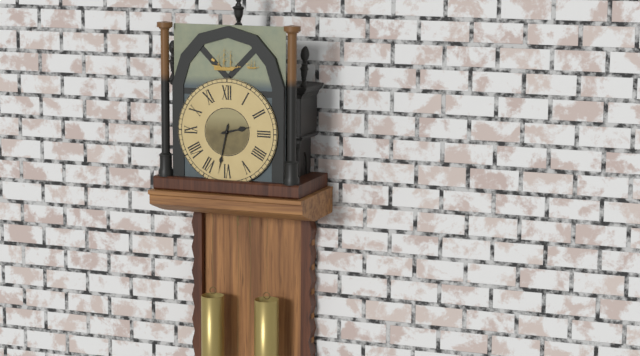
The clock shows 2:32
